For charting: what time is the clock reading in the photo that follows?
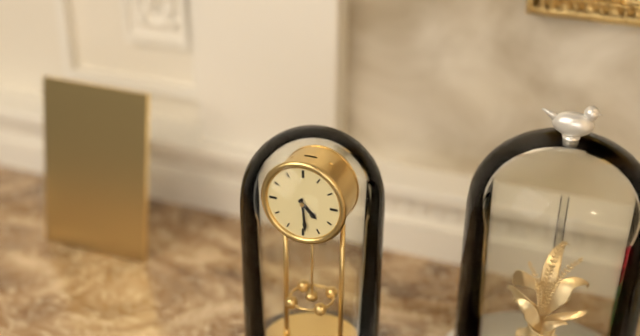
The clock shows 4:29
